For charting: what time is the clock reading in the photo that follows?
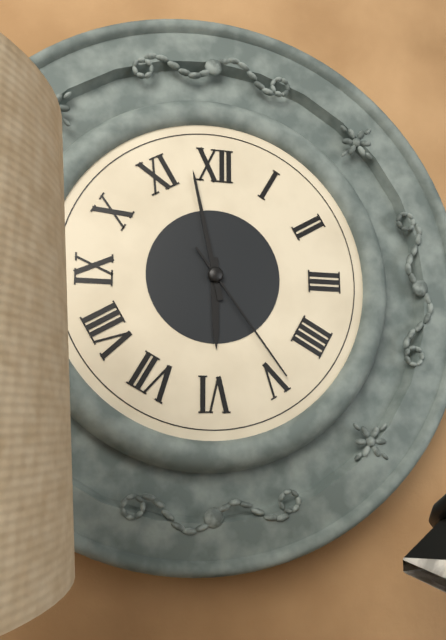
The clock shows 5:58:24
